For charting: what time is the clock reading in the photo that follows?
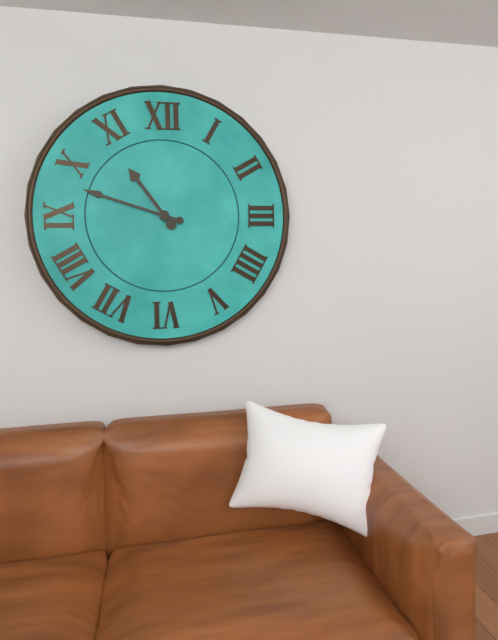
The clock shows 10:48
